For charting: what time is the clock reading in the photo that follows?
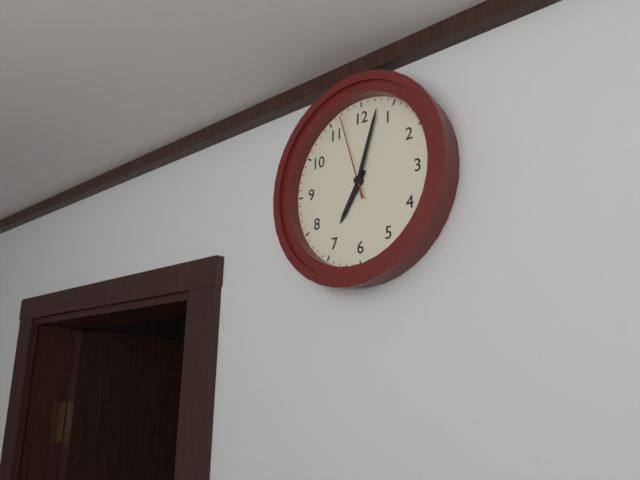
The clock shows 7:03:57
